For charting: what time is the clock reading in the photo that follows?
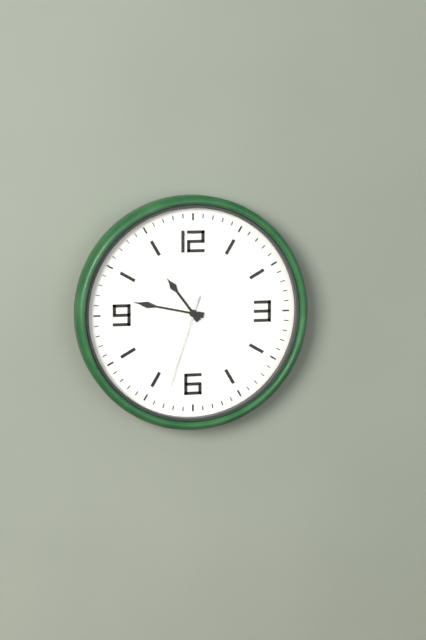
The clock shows 10:47:33
